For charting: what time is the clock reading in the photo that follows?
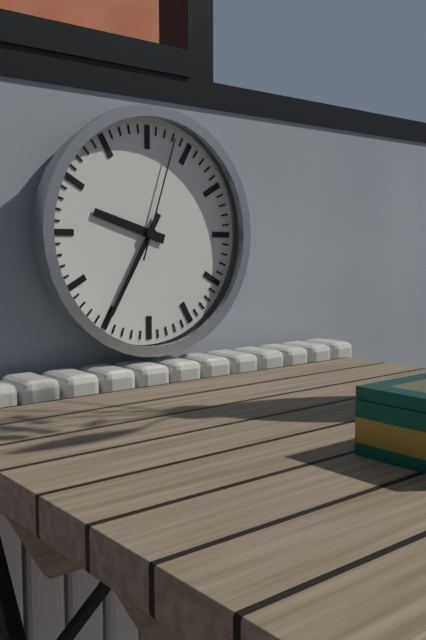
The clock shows 9:35:03
